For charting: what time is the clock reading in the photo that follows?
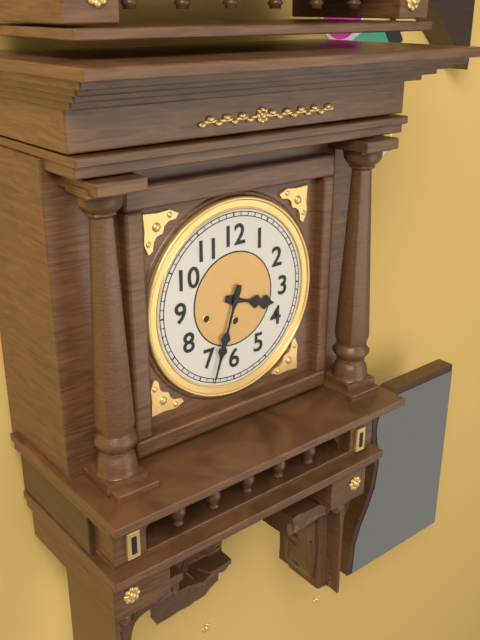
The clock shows 3:33
